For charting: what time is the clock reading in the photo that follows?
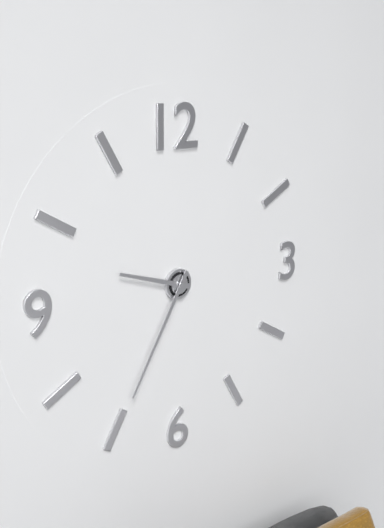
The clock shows 9:35
